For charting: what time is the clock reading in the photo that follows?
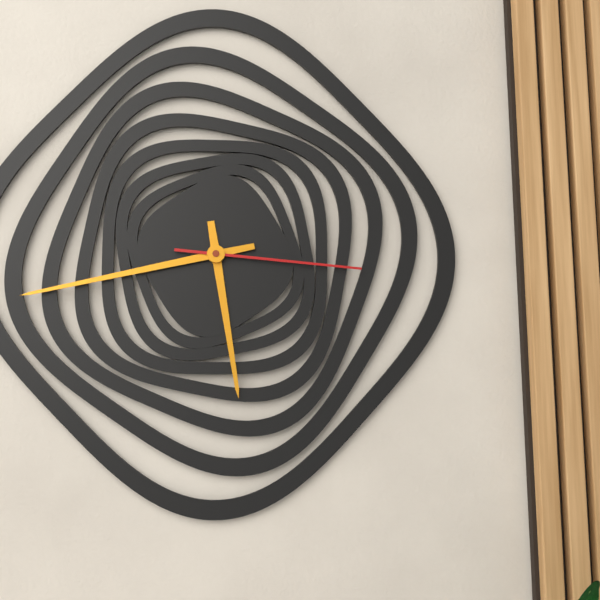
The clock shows 5:43:16
